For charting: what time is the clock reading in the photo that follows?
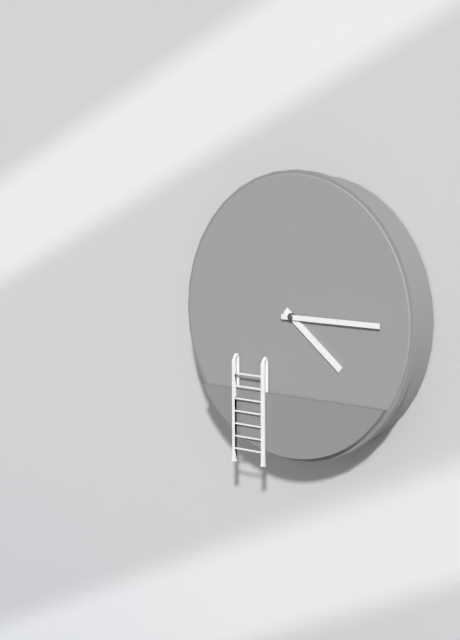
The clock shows 4:15
